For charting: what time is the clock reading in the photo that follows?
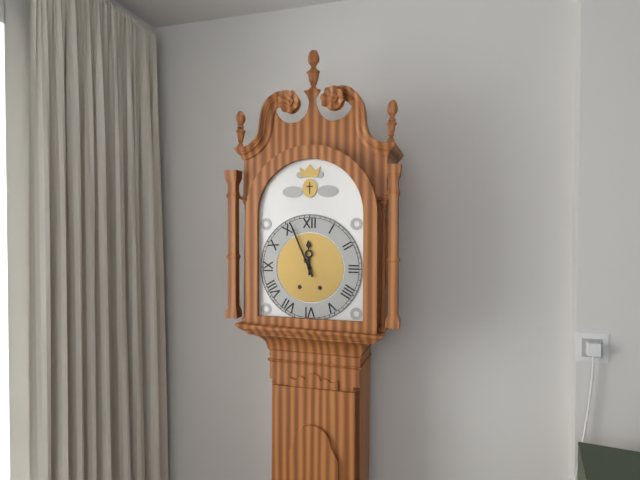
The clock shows 11:56
